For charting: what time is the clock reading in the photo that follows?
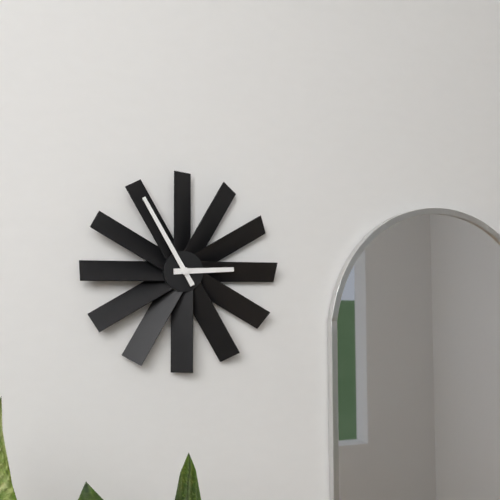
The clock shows 2:55
